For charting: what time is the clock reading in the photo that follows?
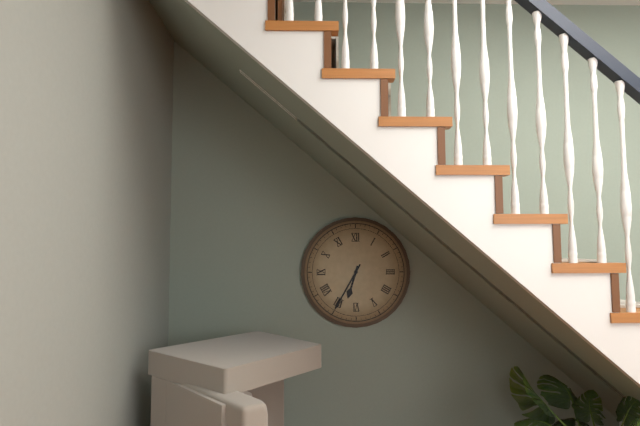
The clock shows 6:35
